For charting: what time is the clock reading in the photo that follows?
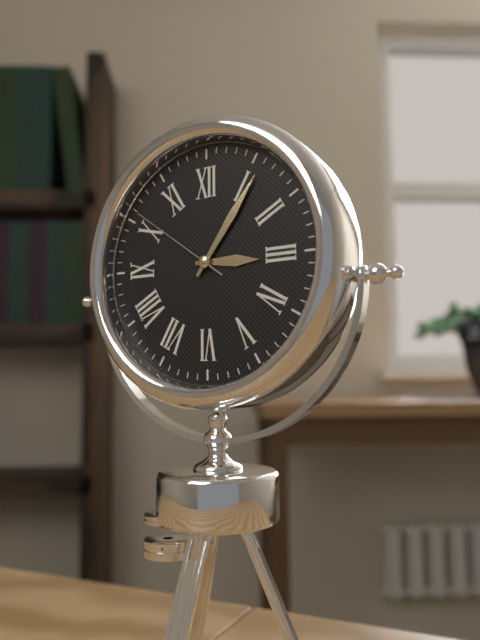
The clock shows 3:06:51
